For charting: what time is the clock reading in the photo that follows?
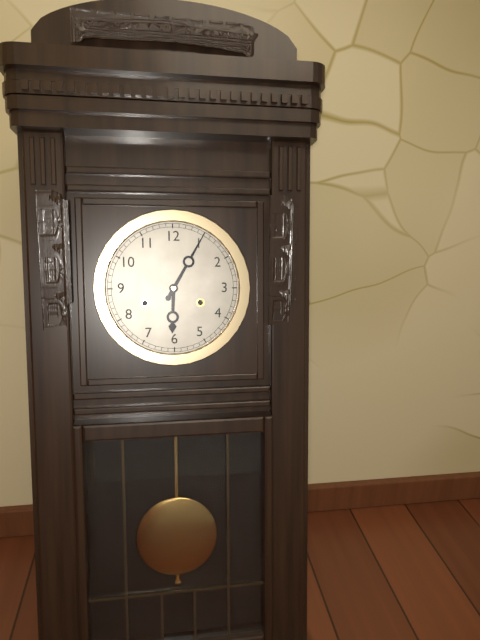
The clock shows 6:05
